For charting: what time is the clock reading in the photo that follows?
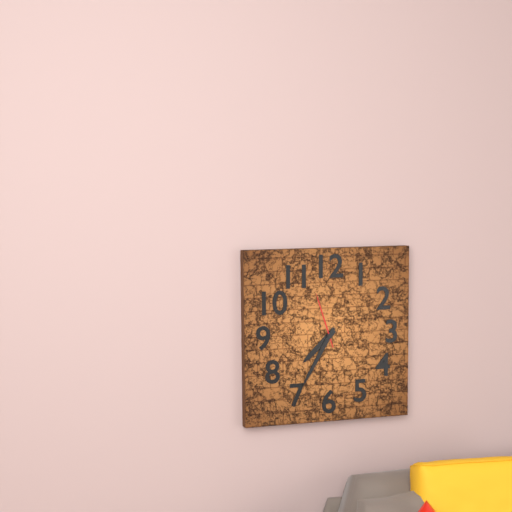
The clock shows 7:35:57
